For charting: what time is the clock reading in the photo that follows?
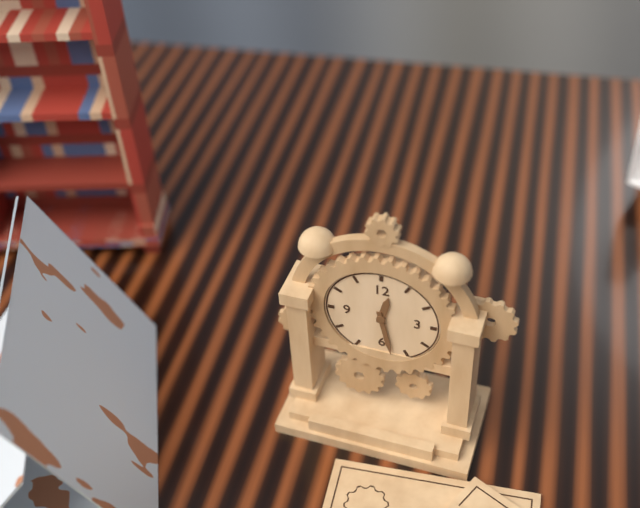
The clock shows 12:28
